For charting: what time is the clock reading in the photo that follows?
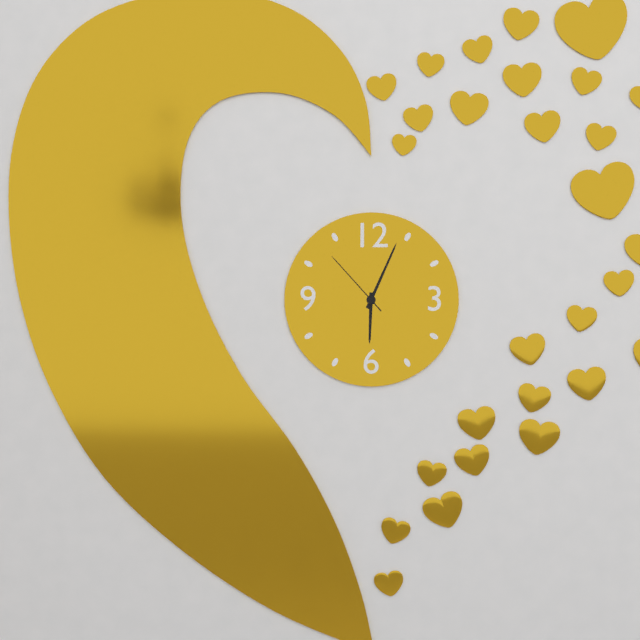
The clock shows 6:04:53
